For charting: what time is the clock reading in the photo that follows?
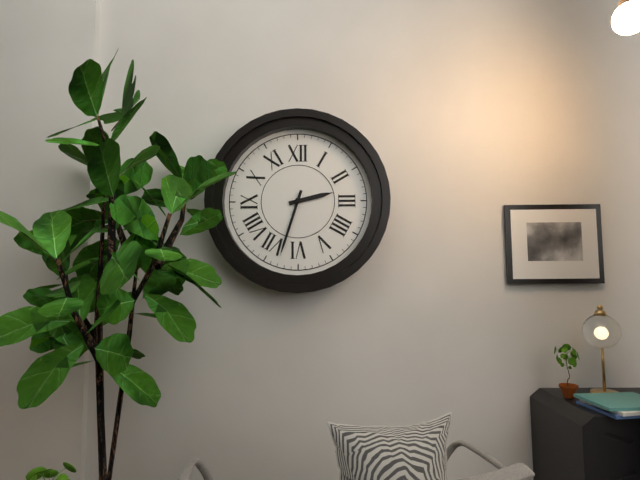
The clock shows 2:33
